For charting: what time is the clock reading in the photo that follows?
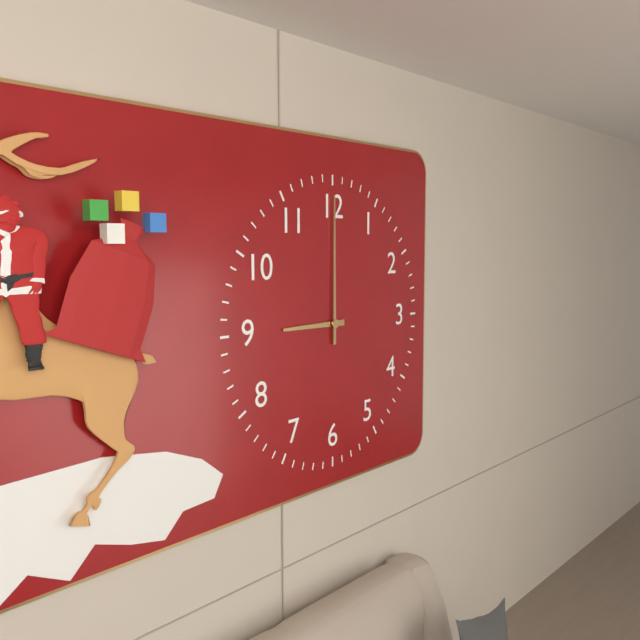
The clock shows 9:00
